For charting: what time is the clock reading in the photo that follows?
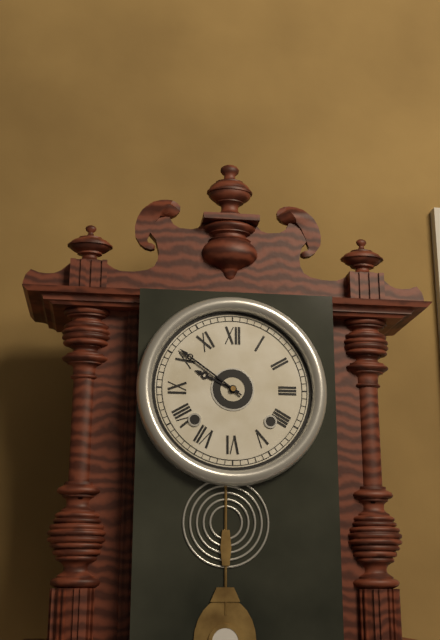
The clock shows 9:51
